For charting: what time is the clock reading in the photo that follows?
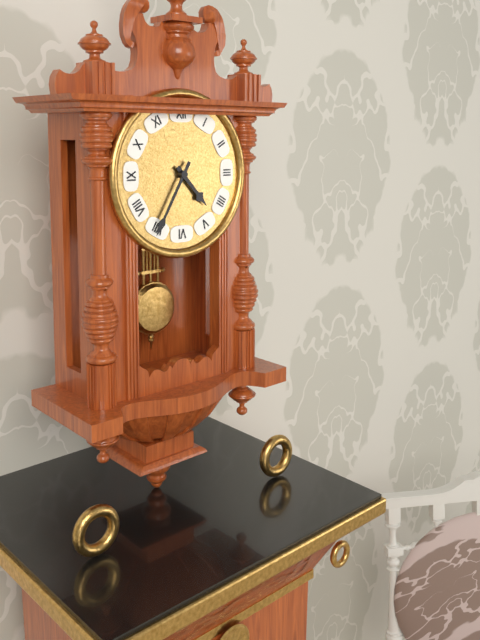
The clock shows 4:35
